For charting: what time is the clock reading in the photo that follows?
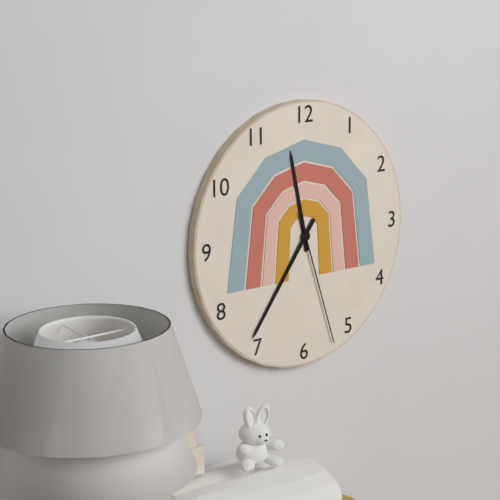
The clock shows 11:36:27
